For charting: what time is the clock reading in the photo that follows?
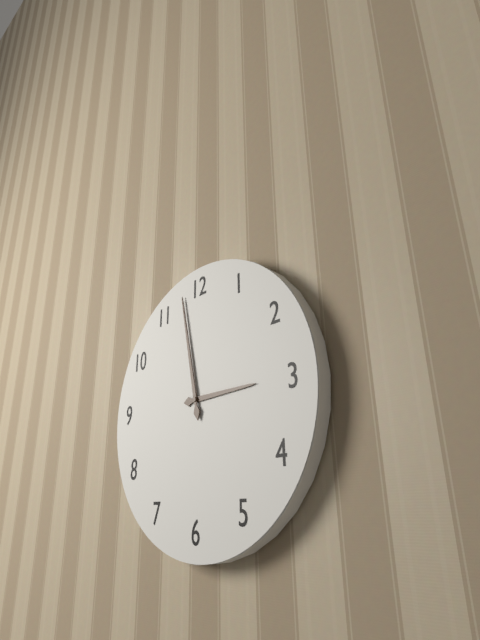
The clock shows 2:58
